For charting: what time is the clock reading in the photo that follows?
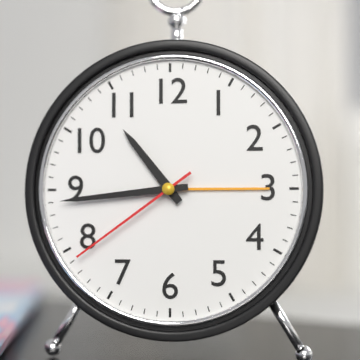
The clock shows 10:44:39
